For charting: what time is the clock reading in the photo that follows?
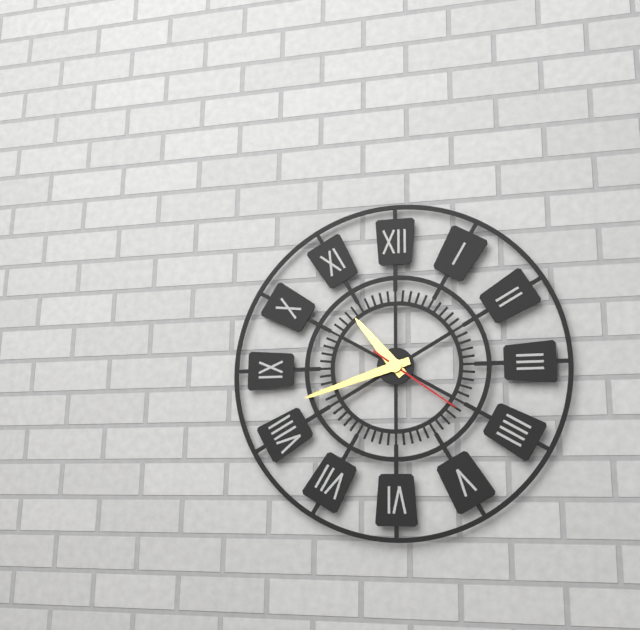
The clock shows 10:42:21
